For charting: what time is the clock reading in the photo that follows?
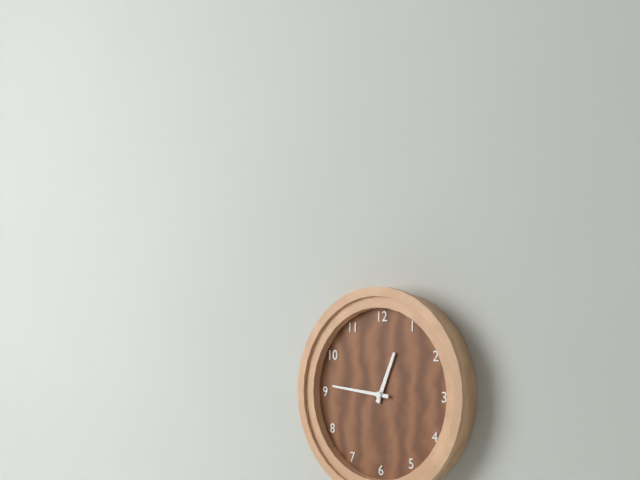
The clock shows 12:46
